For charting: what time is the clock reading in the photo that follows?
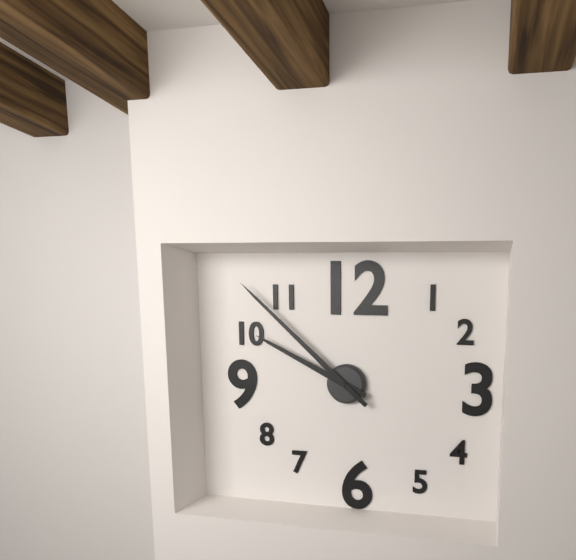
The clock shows 9:52
